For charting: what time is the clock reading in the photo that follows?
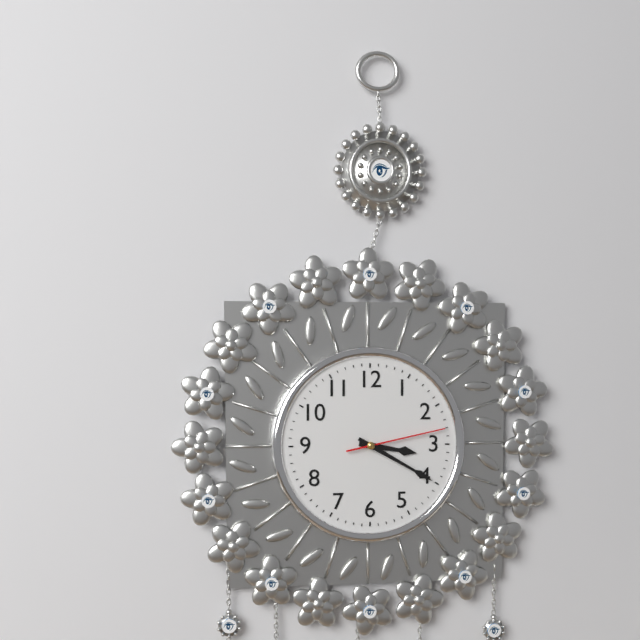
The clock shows 3:20:13
